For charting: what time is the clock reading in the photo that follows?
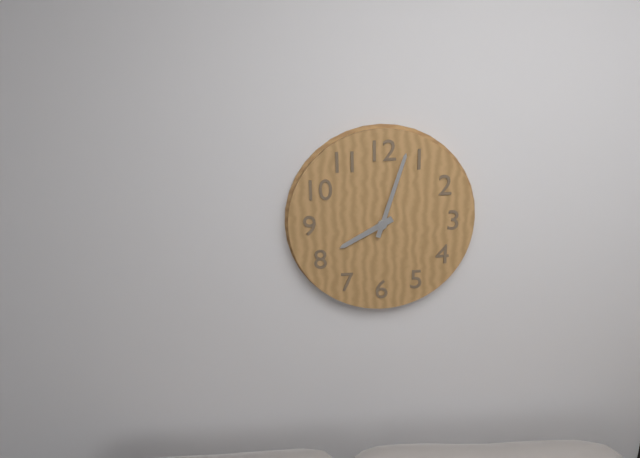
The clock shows 8:03
